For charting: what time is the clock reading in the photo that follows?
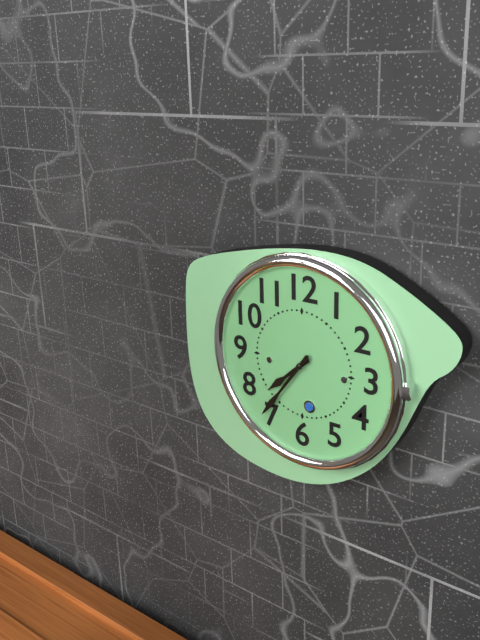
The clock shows 7:36
